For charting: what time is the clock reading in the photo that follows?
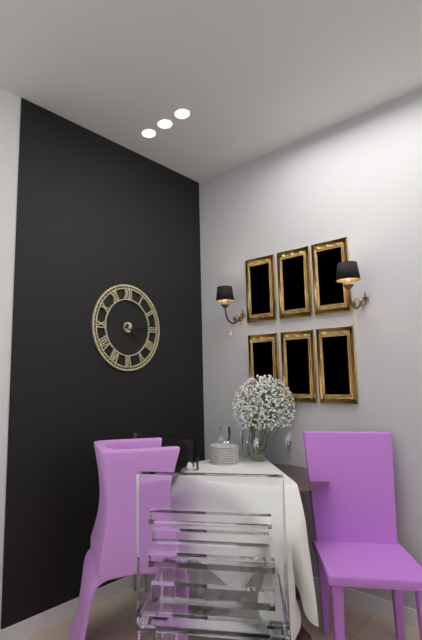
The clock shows 4:14
